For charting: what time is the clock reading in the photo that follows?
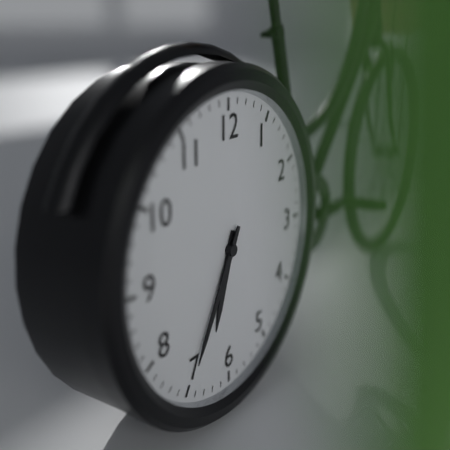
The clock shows 6:35
